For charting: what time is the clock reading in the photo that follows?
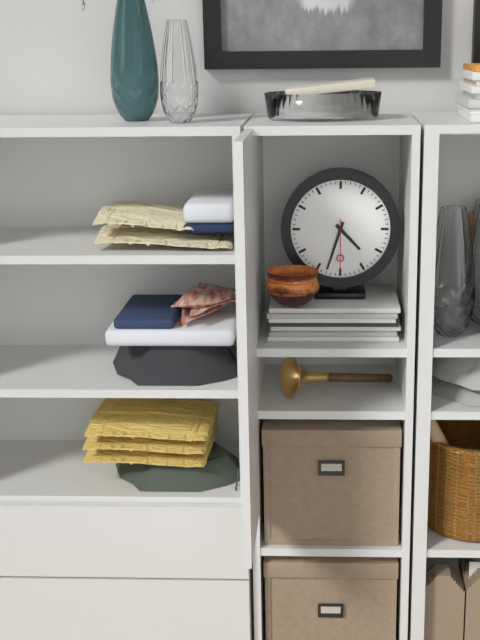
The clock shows 4:33:30
